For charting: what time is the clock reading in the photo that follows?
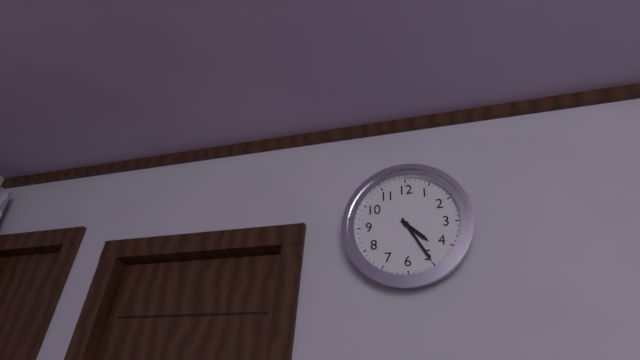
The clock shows 4:25
